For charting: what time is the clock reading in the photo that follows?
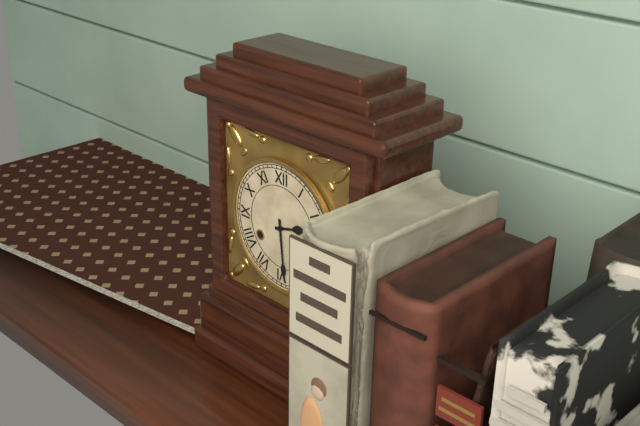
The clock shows 2:29
